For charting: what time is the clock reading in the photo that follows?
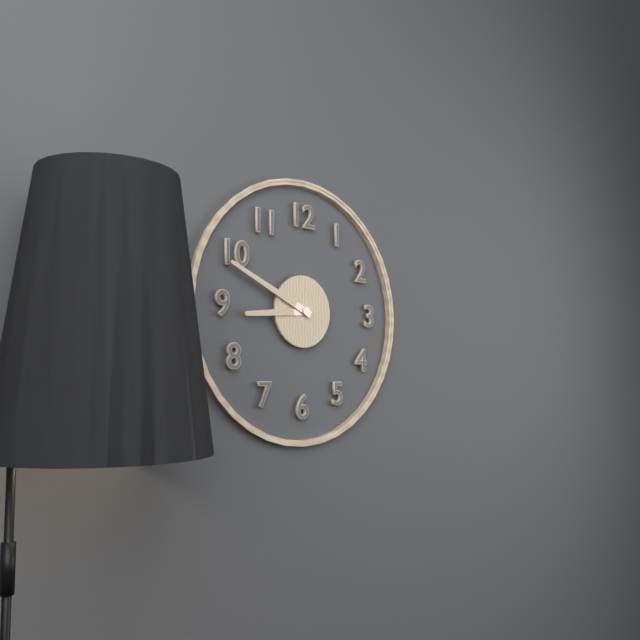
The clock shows 8:49
